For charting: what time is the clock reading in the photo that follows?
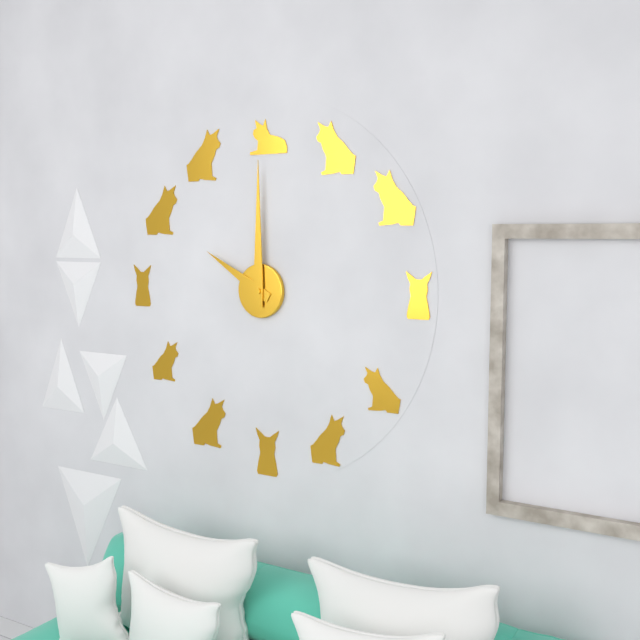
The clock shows 10:00
